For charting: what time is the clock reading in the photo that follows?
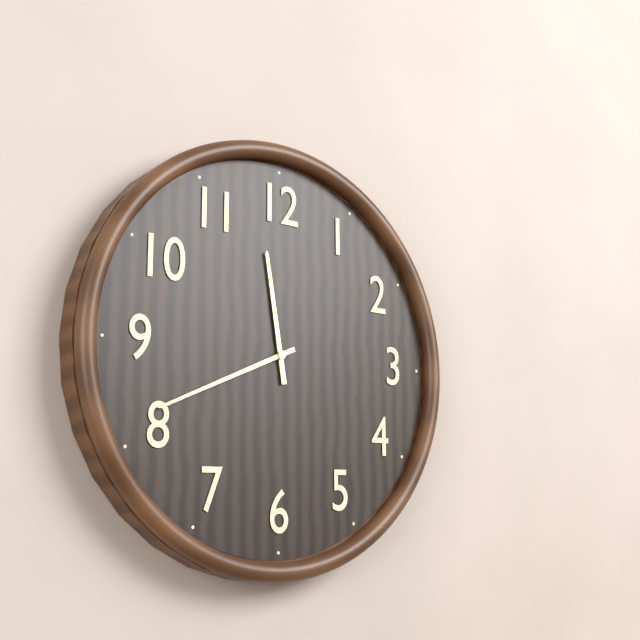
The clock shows 11:41
